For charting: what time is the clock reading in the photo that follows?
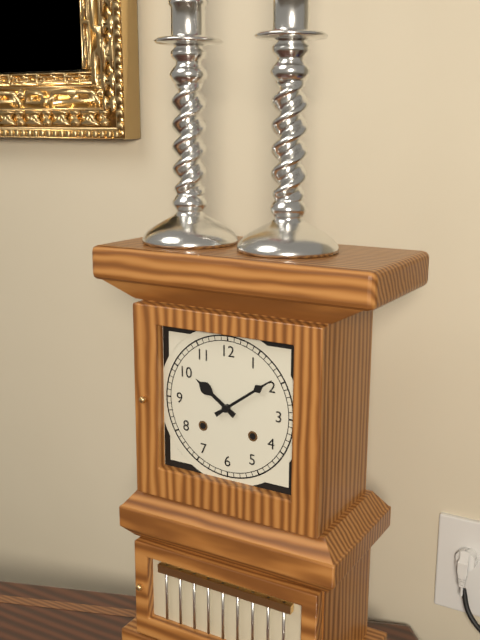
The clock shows 10:09
